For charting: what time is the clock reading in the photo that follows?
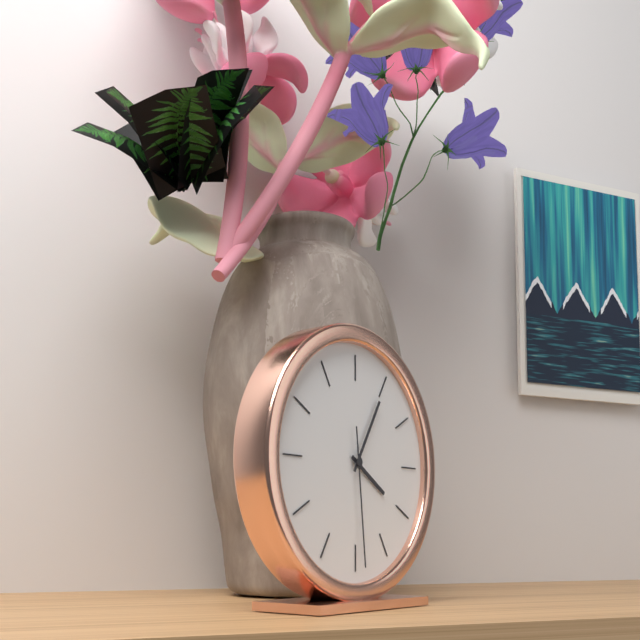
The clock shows 4:05:29
